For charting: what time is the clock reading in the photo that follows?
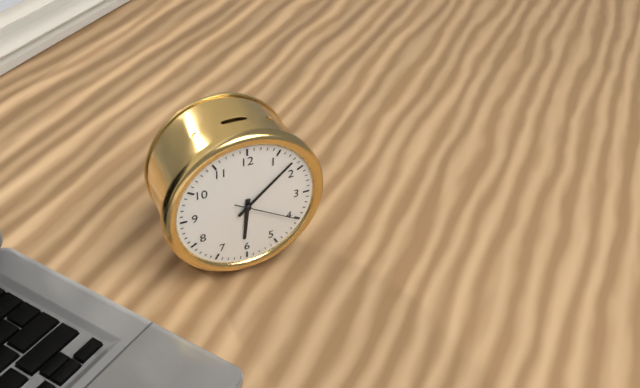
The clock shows 6:08:20
